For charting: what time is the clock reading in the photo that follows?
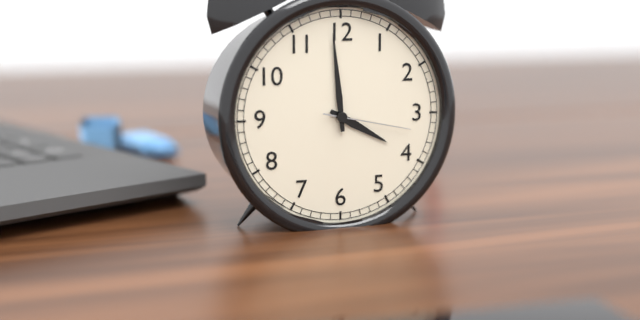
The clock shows 3:59:17
